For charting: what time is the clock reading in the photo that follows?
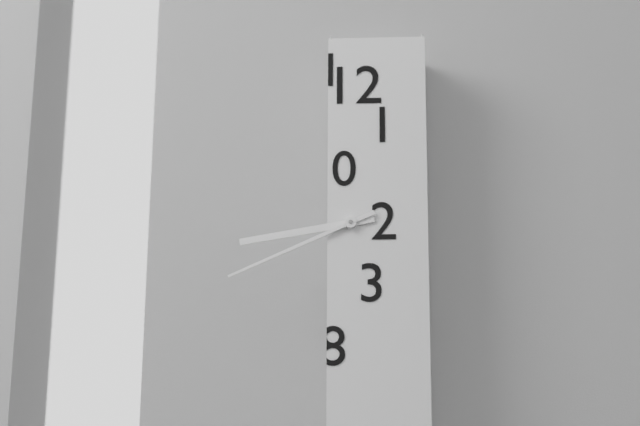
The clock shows 8:41
